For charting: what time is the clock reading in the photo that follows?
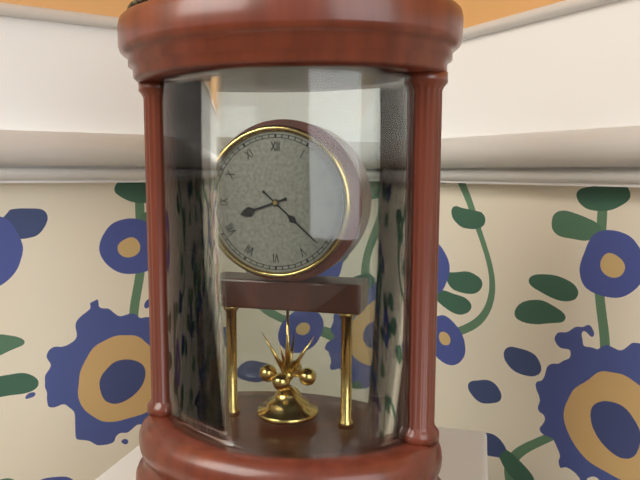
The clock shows 8:22
